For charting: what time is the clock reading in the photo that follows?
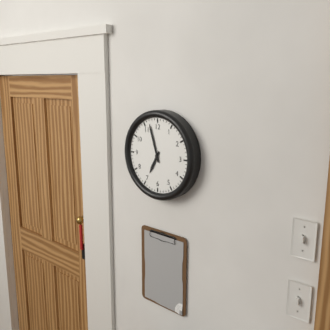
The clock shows 6:57
